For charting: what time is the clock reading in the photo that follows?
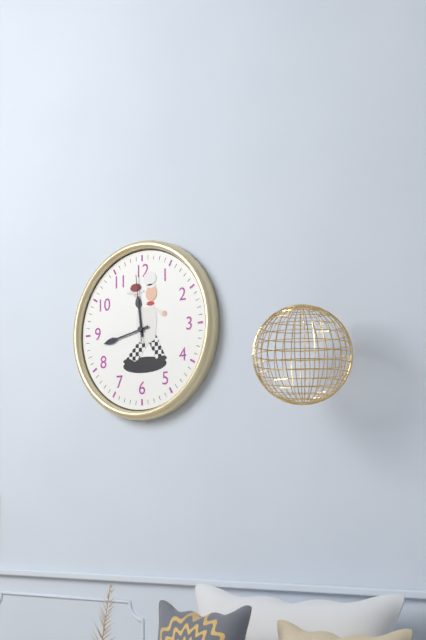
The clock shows 11:43:59
